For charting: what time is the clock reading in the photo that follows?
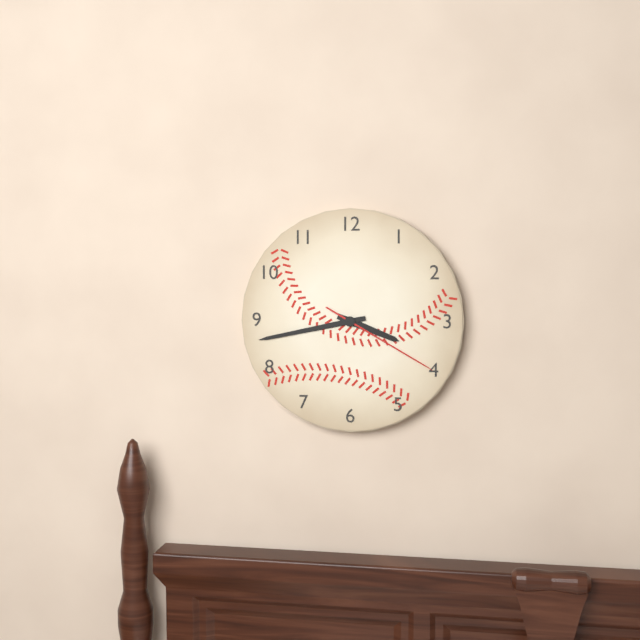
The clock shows 3:43:20
